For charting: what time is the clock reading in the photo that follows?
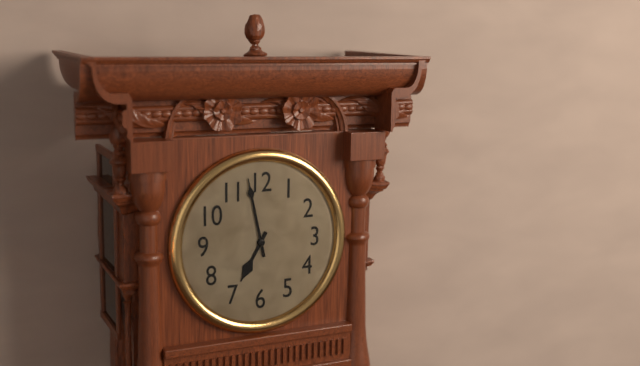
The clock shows 6:58
